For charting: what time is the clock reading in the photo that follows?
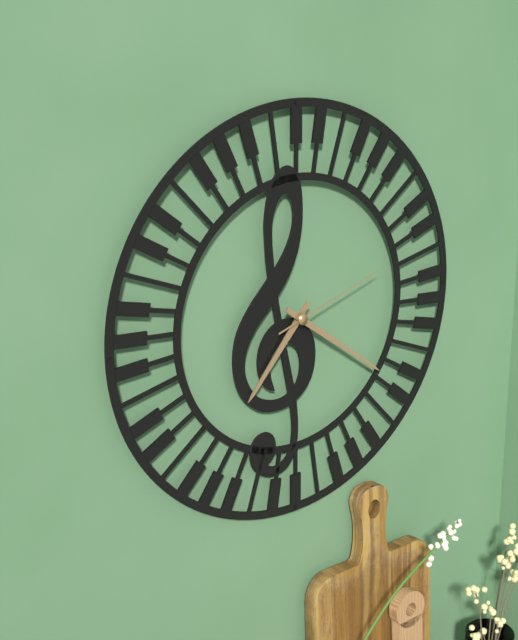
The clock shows 7:21:12
